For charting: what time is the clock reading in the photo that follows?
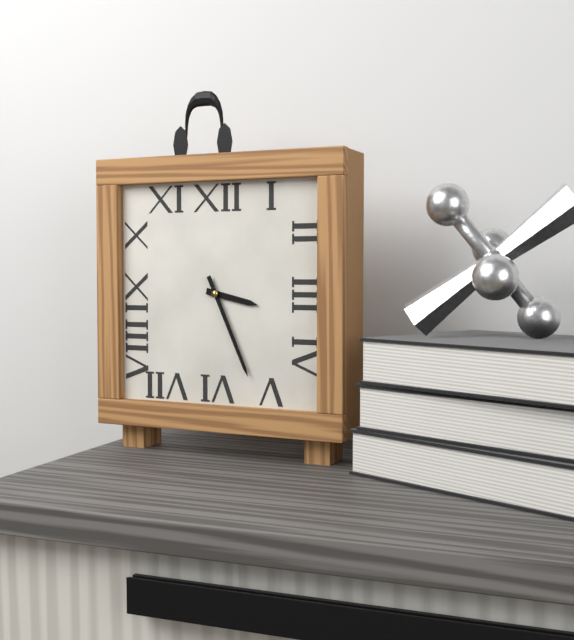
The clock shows 3:26
